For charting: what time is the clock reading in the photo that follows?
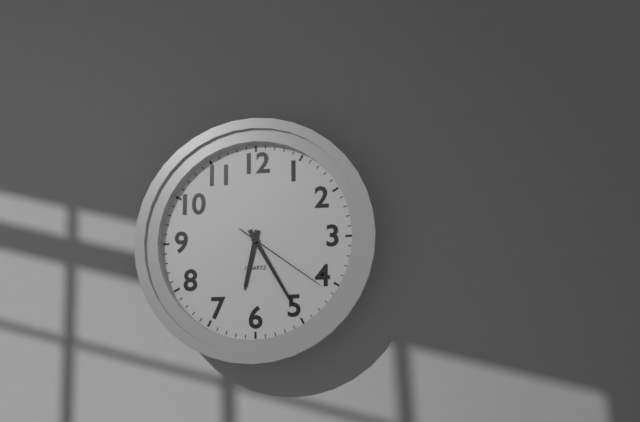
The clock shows 6:25:21
